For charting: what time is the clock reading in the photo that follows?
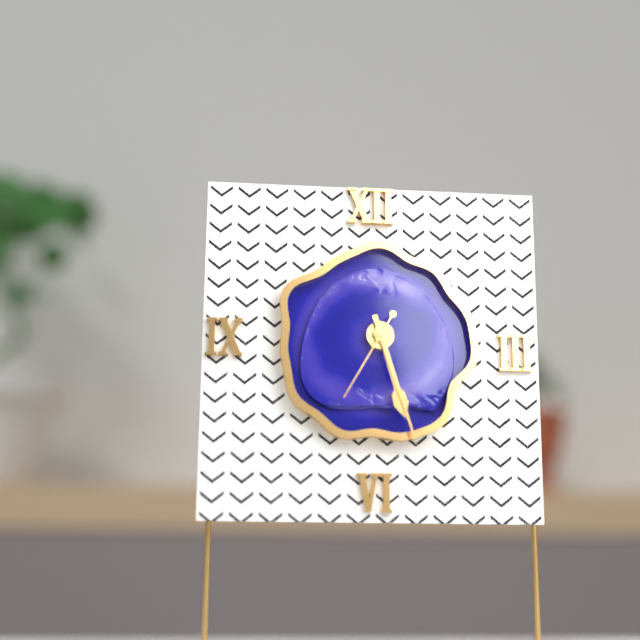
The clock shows 5:27:35
